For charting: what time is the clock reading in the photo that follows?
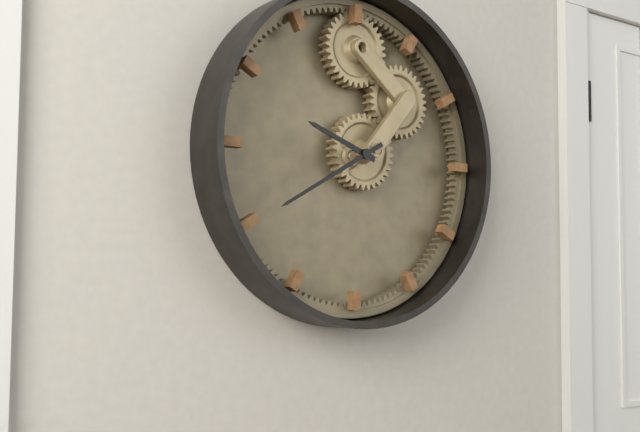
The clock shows 9:40
